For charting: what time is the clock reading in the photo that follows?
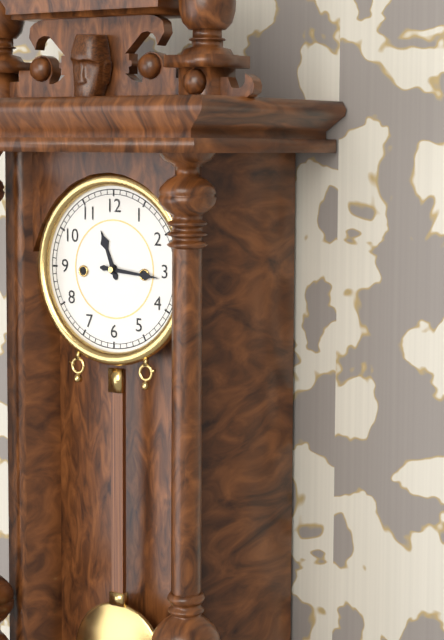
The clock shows 11:16
